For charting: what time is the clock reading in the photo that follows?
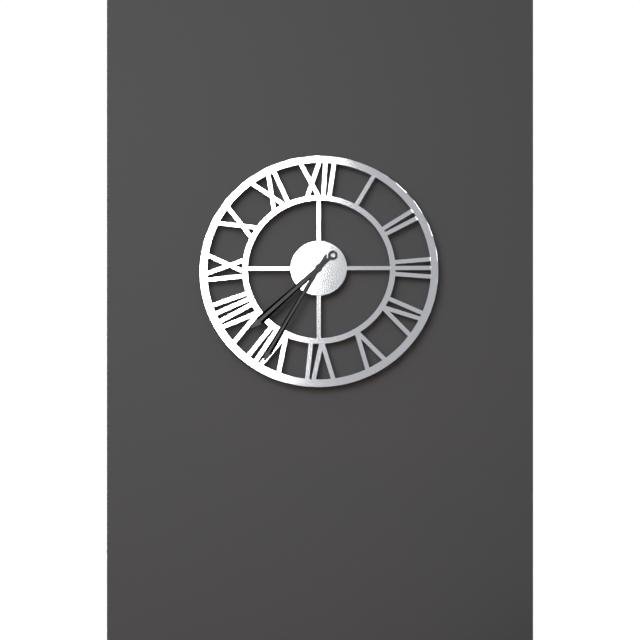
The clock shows 7:35
